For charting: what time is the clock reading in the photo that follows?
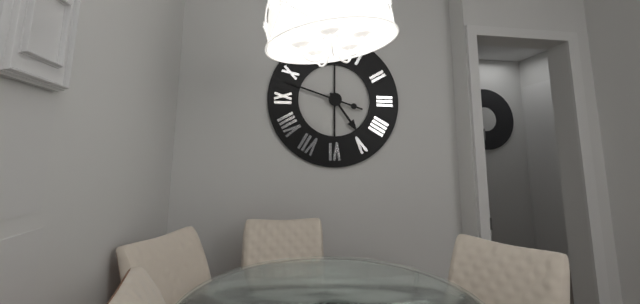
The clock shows 4:48
